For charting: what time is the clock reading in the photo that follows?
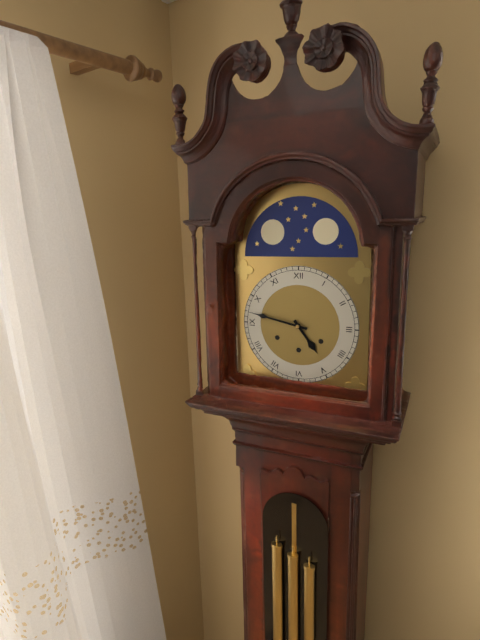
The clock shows 4:47
